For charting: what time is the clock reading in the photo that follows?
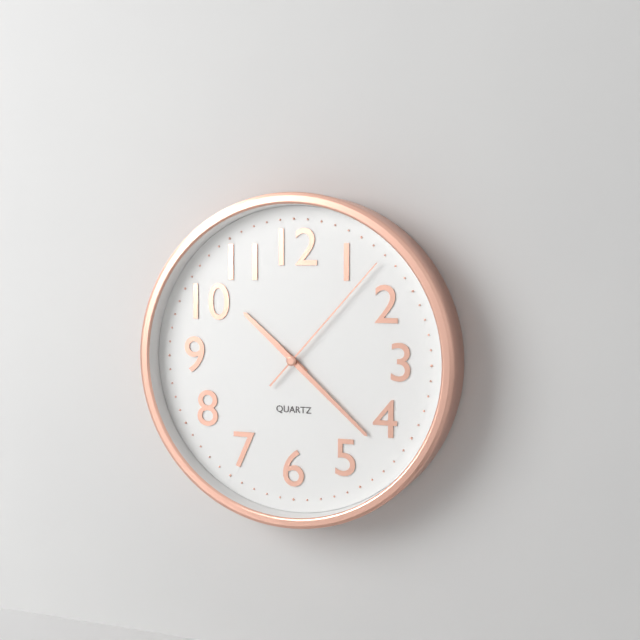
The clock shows 10:22:07
